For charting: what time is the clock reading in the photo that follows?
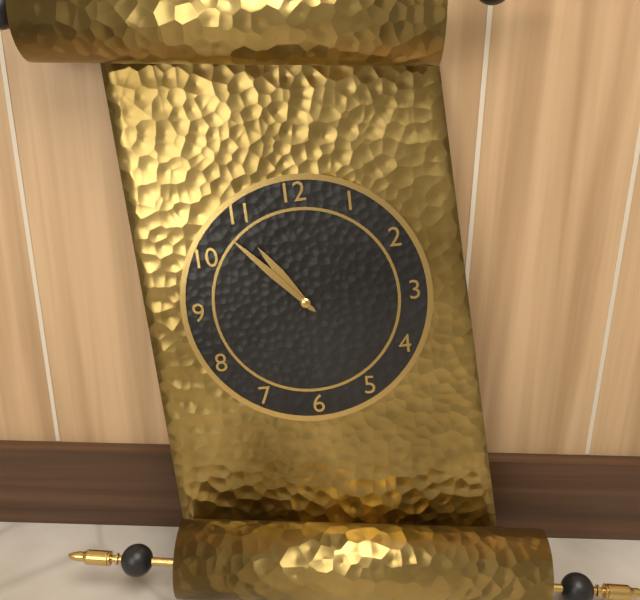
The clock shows 10:53
